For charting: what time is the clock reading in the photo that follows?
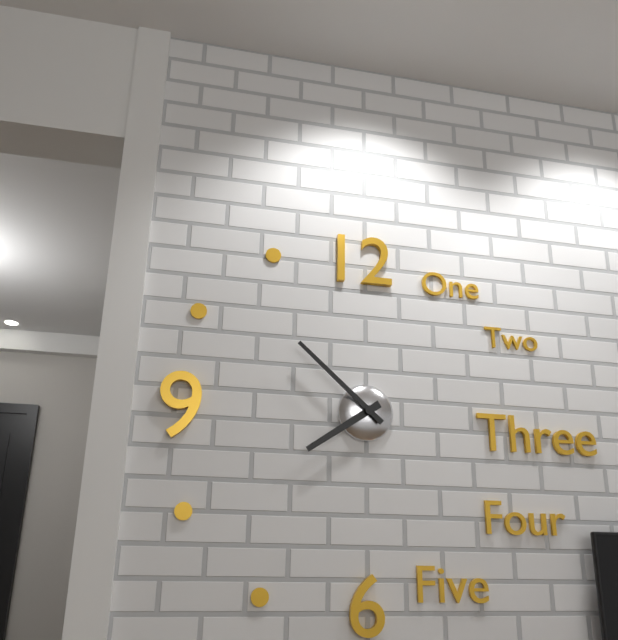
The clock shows 7:52
